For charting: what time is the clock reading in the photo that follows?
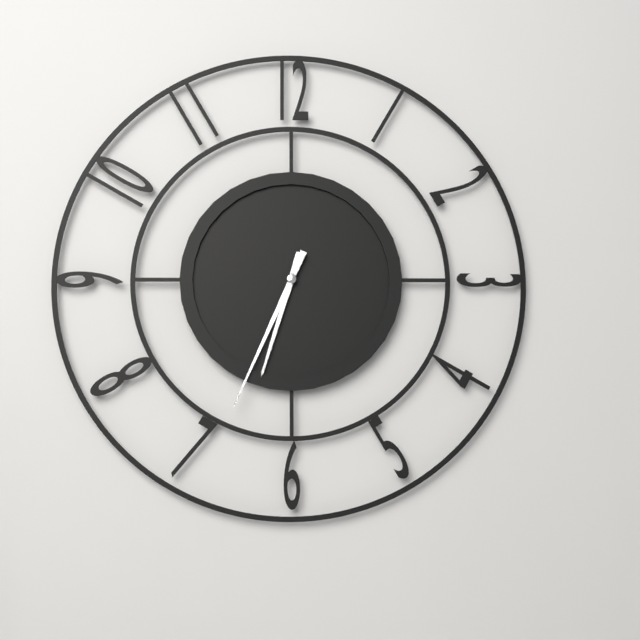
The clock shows 6:34
